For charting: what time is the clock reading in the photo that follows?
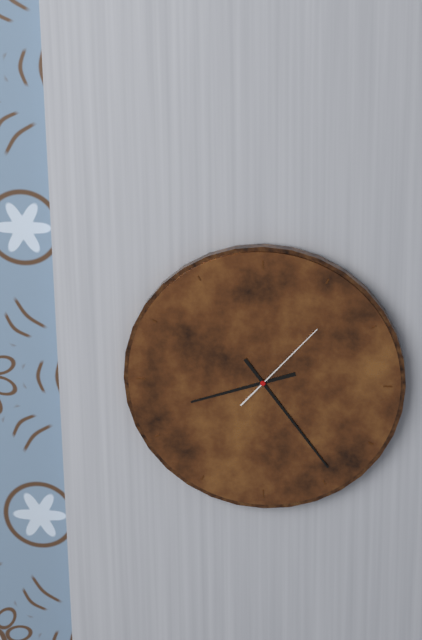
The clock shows 8:24:07
